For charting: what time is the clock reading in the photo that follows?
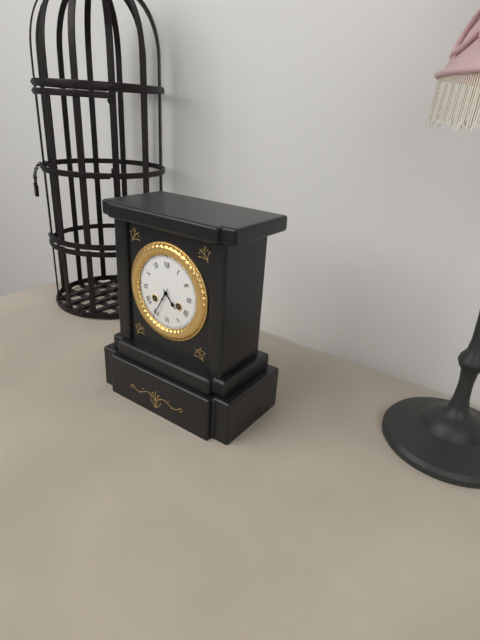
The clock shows 4:35
